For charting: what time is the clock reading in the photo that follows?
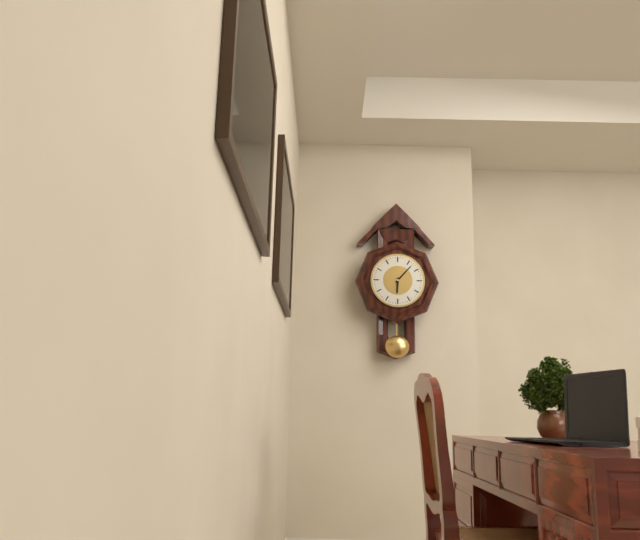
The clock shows 6:07
